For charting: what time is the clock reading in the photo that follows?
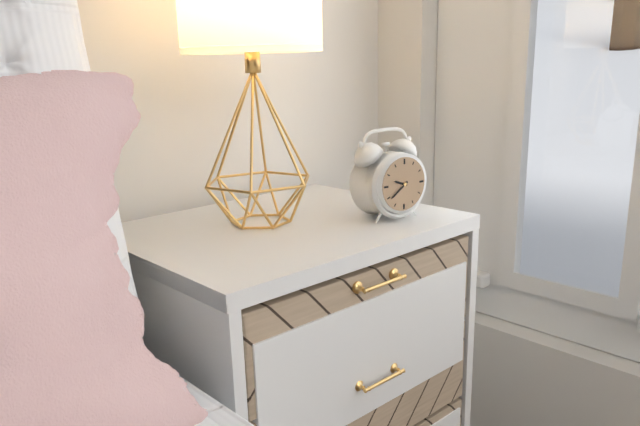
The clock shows 9:39
